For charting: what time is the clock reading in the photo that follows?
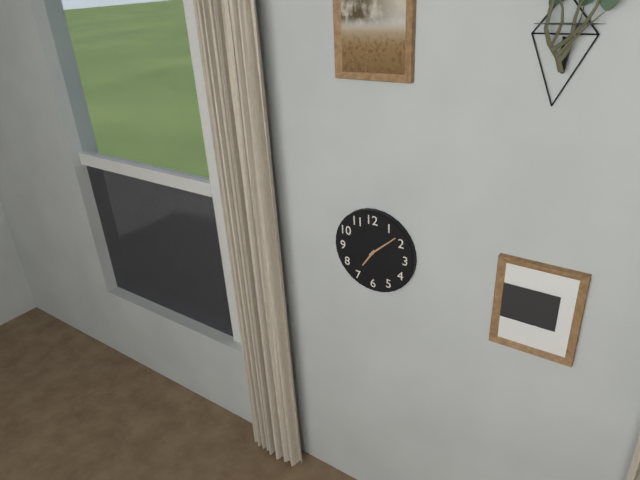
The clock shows 7:08
